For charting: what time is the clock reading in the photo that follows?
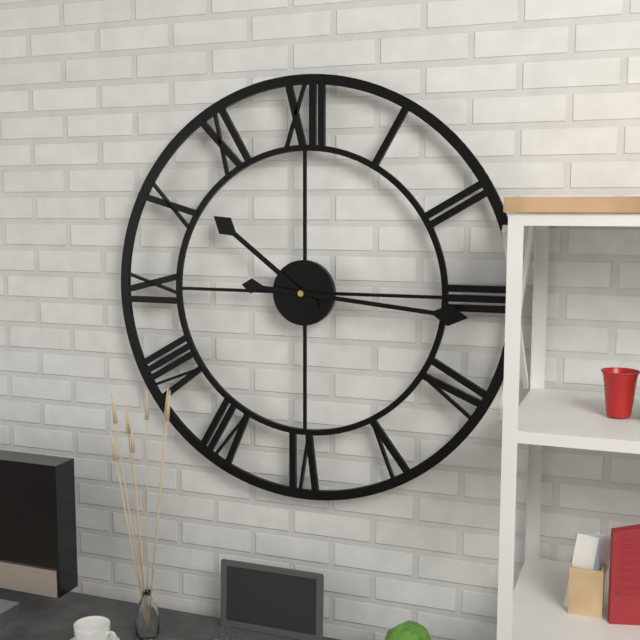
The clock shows 10:16
